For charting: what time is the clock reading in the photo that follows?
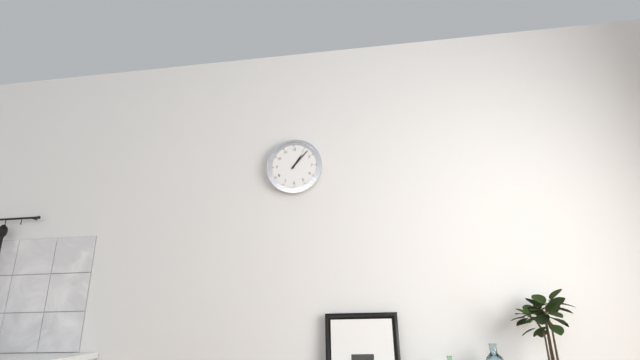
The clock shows 1:07
